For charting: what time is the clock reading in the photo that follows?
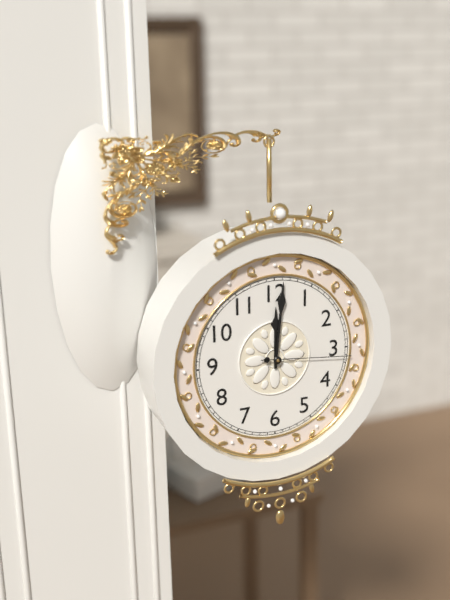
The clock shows 12:01:16
